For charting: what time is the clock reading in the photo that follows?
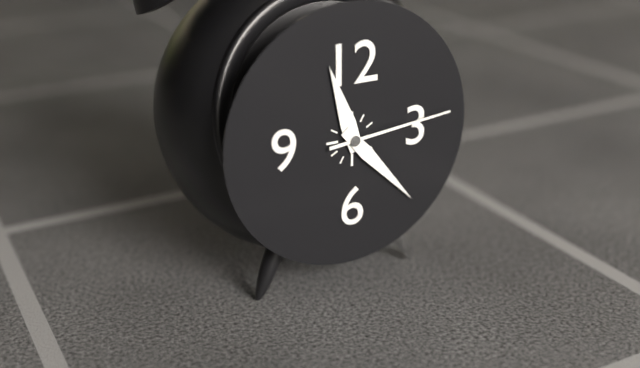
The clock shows 11:23:14
